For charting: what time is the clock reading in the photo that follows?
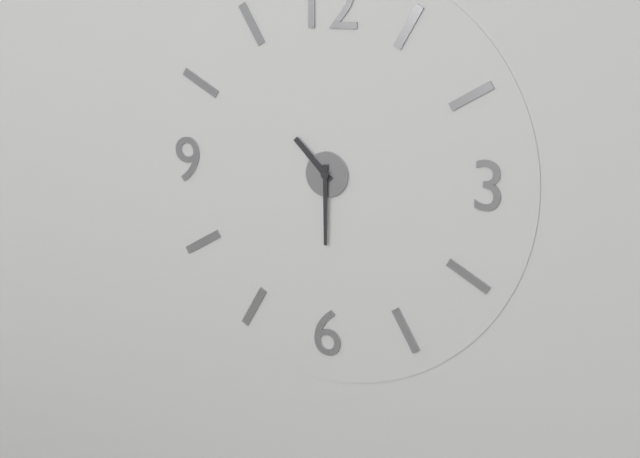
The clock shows 10:30
